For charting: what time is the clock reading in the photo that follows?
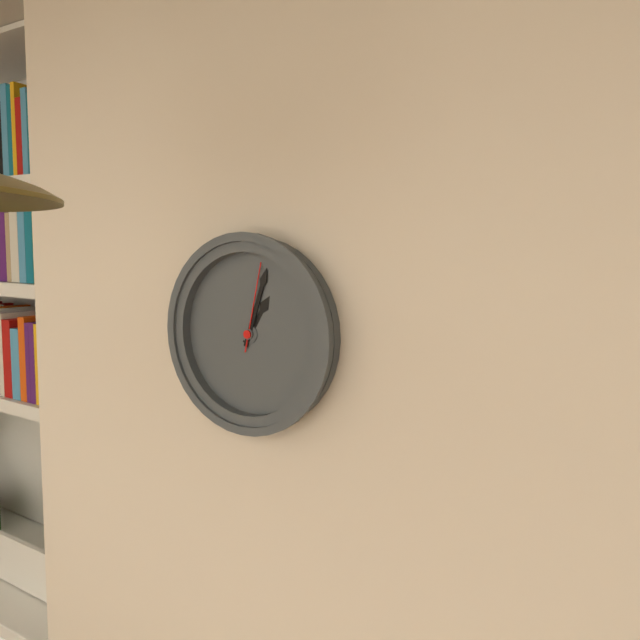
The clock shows 1:03:02
